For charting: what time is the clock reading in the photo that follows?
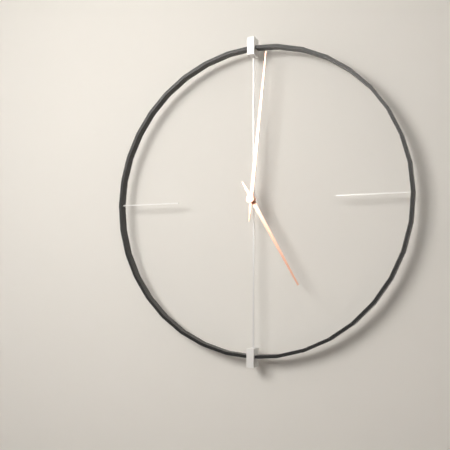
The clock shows 5:01
